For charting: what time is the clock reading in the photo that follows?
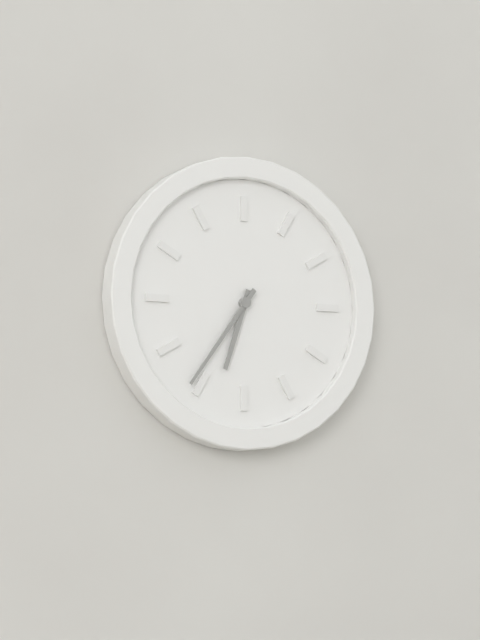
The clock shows 6:36
